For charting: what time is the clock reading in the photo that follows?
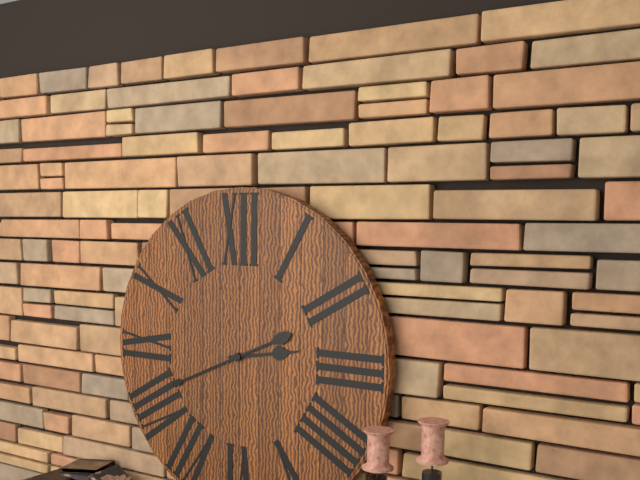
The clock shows 2:41
